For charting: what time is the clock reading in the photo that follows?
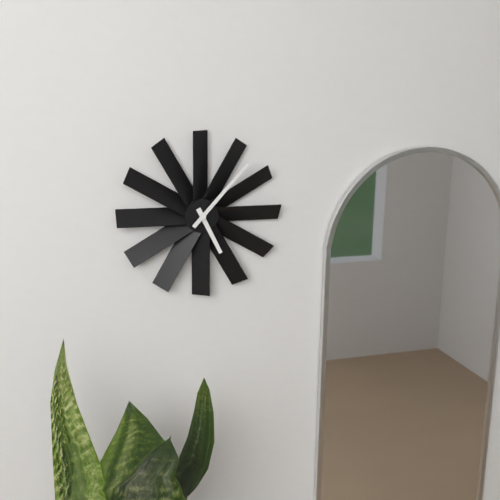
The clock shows 5:07
